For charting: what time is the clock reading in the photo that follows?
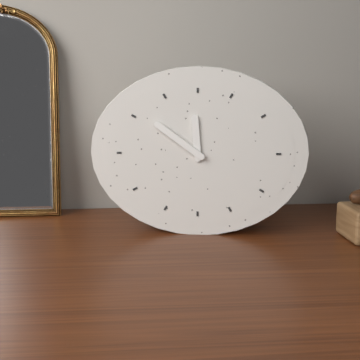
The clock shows 11:51
